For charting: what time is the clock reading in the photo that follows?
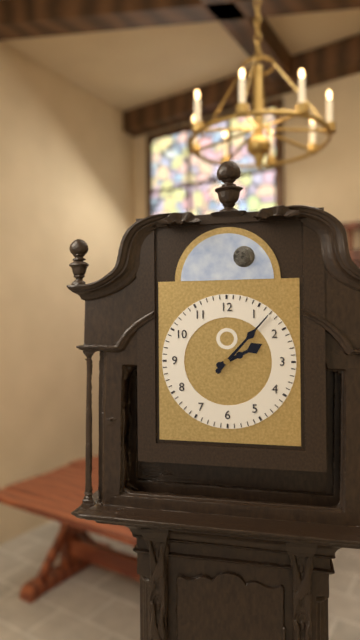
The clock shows 2:07
